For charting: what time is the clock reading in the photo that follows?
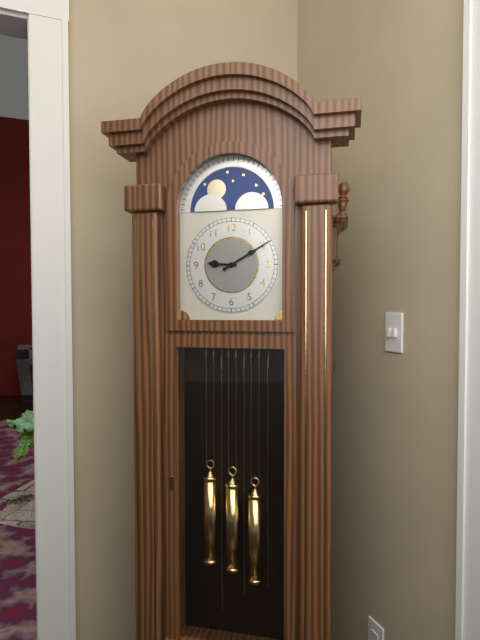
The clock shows 9:10
